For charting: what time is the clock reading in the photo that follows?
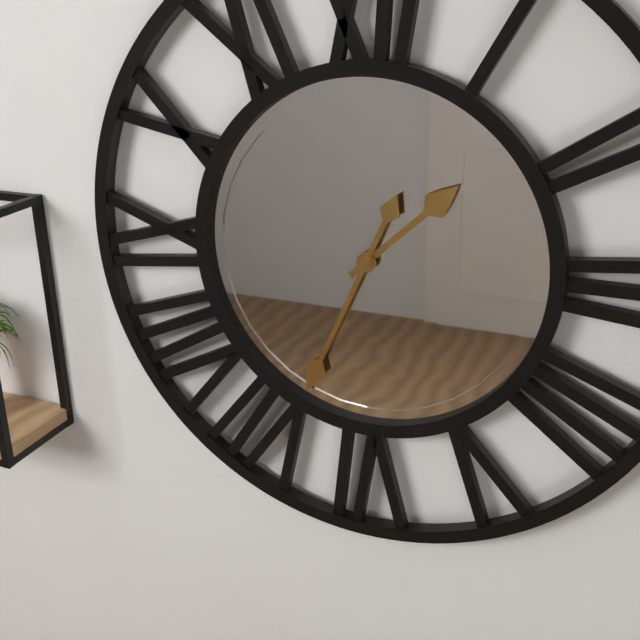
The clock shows 1:34
